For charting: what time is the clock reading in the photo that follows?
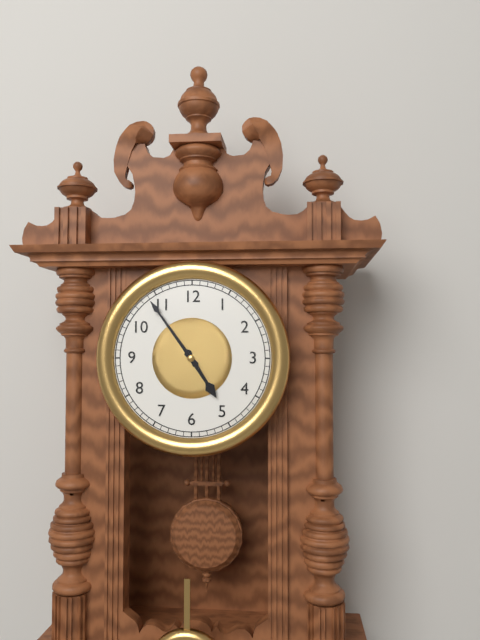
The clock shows 4:54
